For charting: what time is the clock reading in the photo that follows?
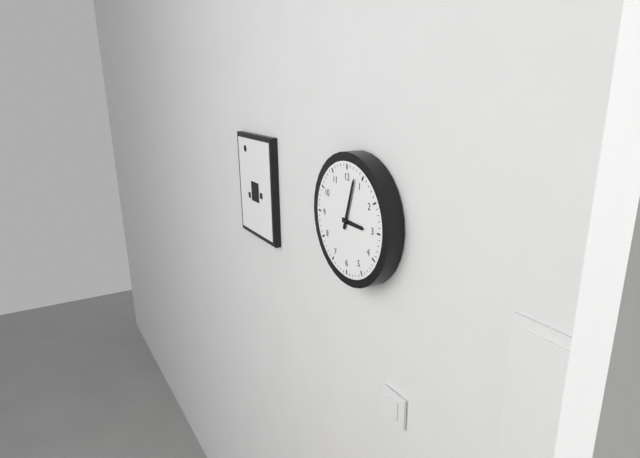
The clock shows 3:03
